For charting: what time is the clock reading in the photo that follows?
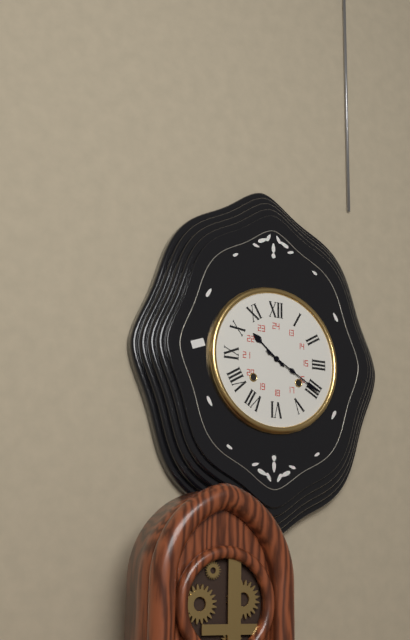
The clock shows 10:20
